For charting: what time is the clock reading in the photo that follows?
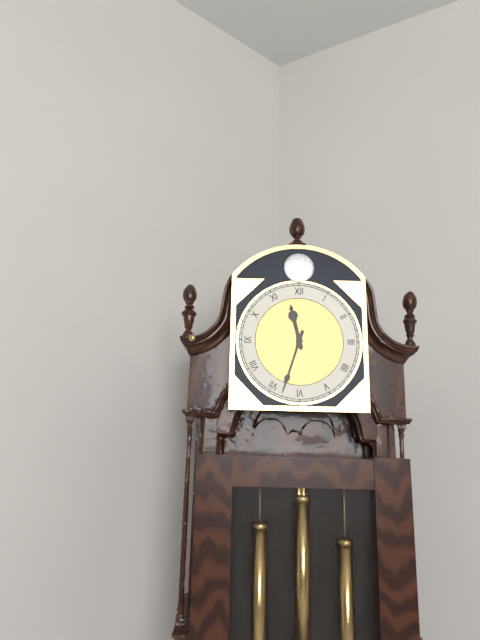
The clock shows 11:33
